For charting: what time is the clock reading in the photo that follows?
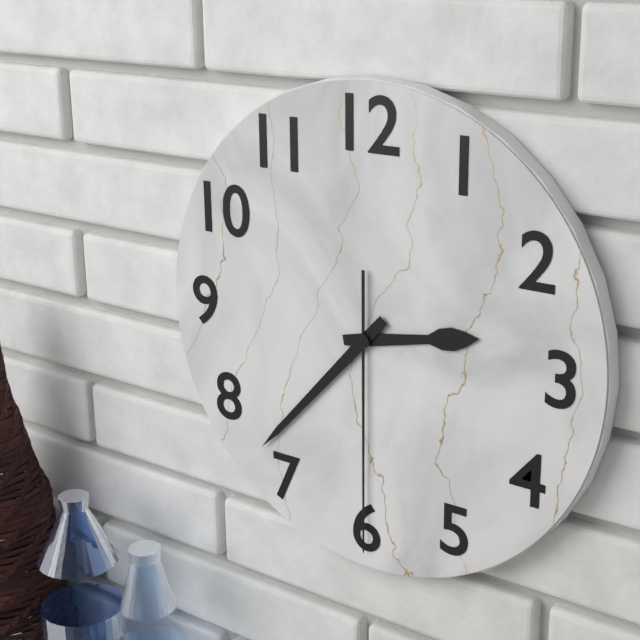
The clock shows 2:37:30
